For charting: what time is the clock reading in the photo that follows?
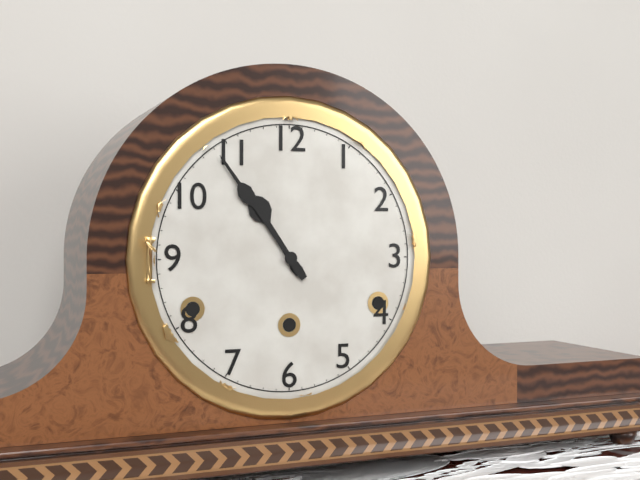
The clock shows 10:54
